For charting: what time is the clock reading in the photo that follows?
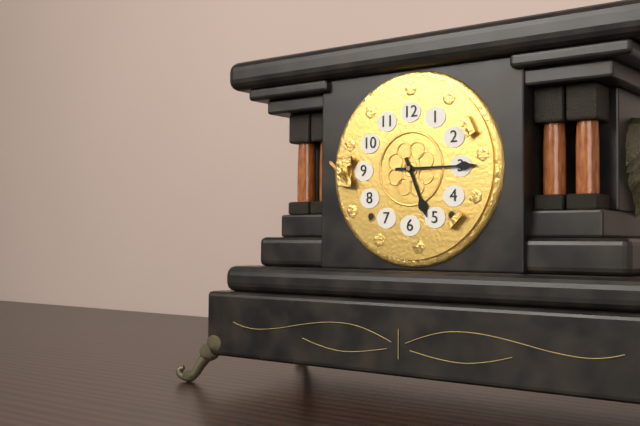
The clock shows 5:15
